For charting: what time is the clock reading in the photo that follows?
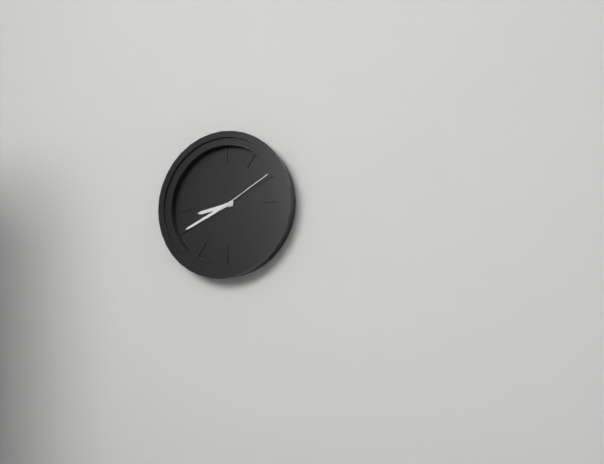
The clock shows 8:41:10
